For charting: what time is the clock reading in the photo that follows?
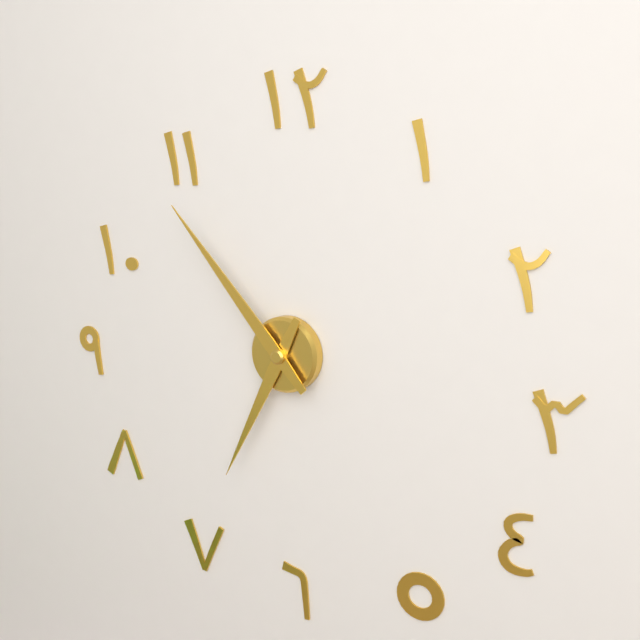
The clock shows 6:53
